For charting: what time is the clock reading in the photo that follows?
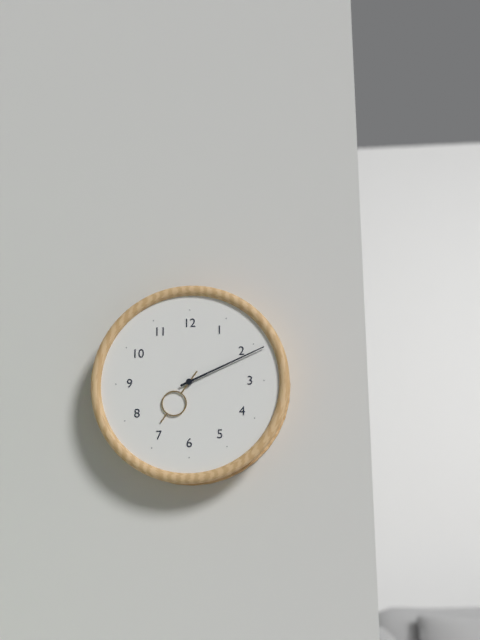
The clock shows 7:11
